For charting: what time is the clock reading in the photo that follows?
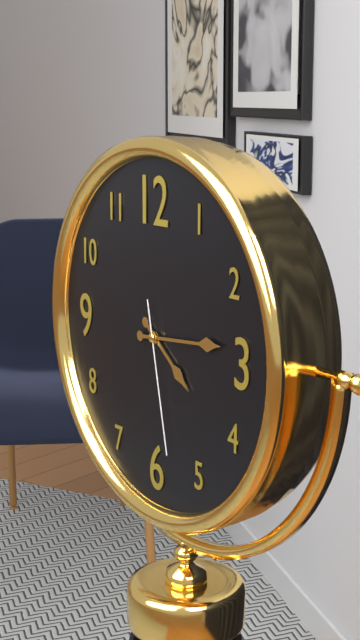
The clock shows 4:14:28
